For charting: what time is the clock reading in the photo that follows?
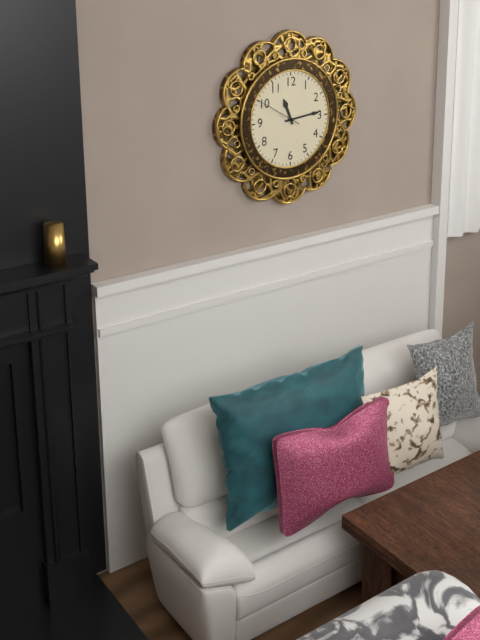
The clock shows 11:14
